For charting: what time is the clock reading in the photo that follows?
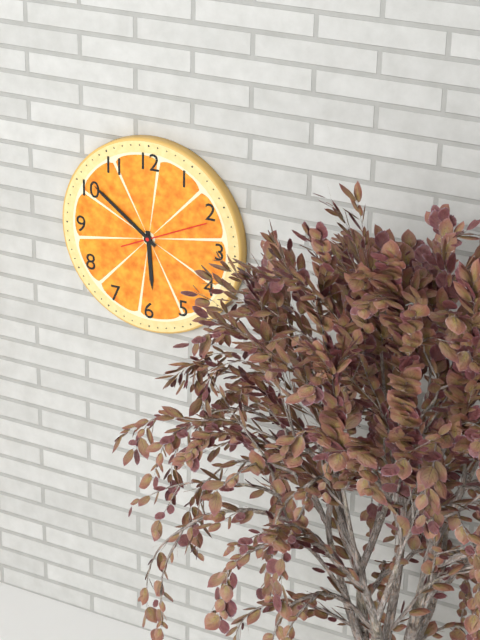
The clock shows 5:51:11
